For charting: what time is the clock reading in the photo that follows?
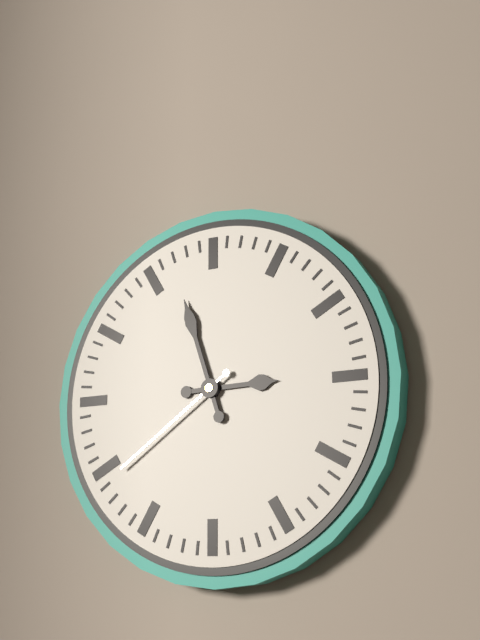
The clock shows 2:57:39
